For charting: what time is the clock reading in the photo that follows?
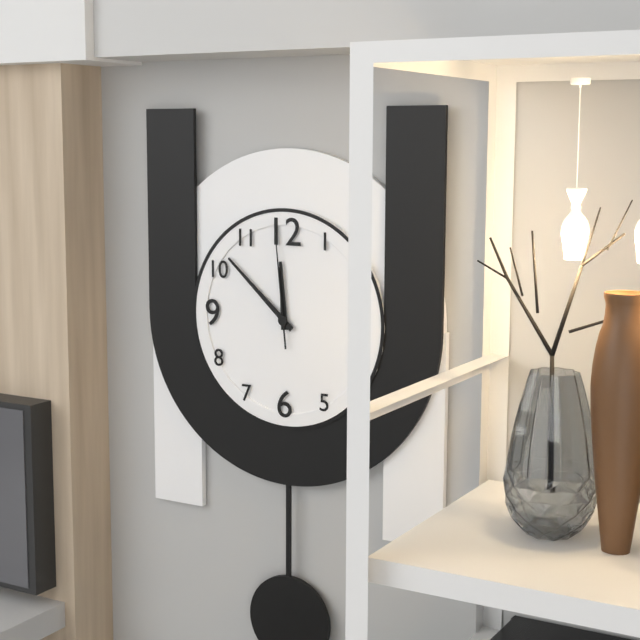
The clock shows 11:52:59
